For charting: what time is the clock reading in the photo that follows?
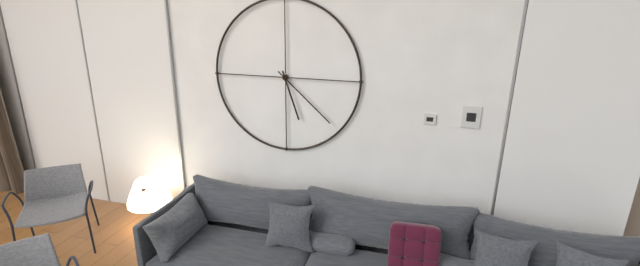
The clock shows 5:22
